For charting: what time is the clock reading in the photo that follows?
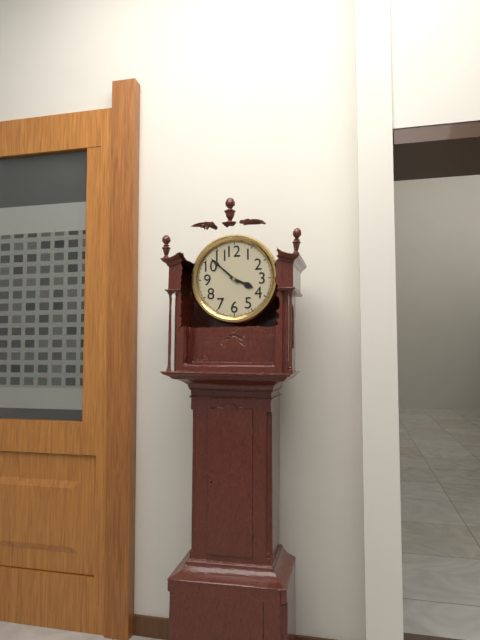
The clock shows 3:52
